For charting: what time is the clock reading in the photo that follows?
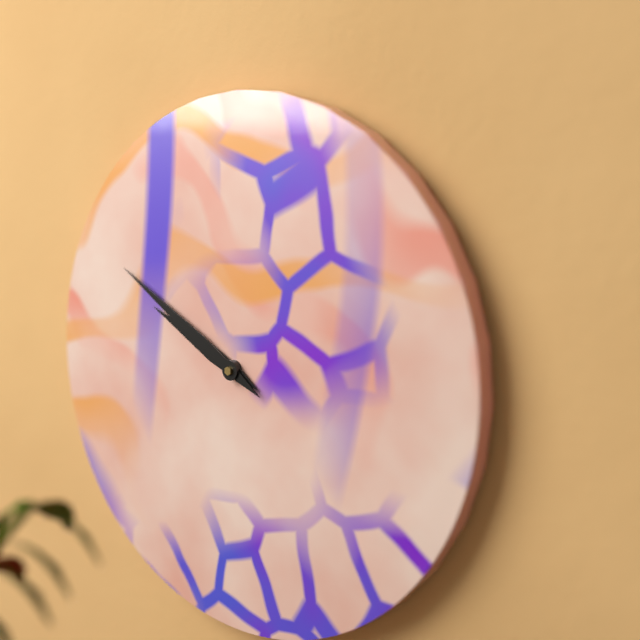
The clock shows 9:50
